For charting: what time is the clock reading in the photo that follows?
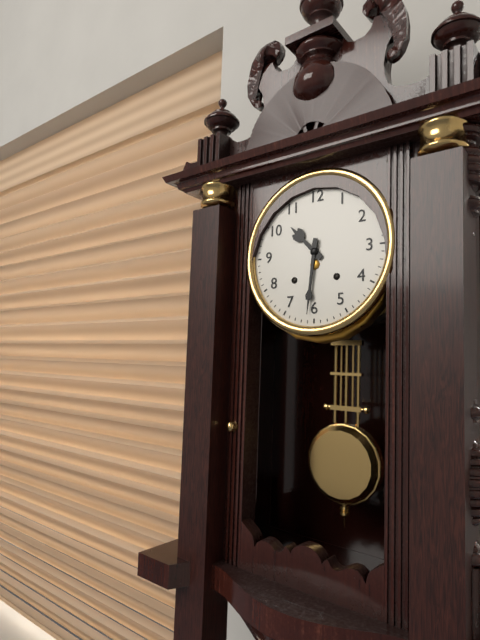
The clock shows 10:31
